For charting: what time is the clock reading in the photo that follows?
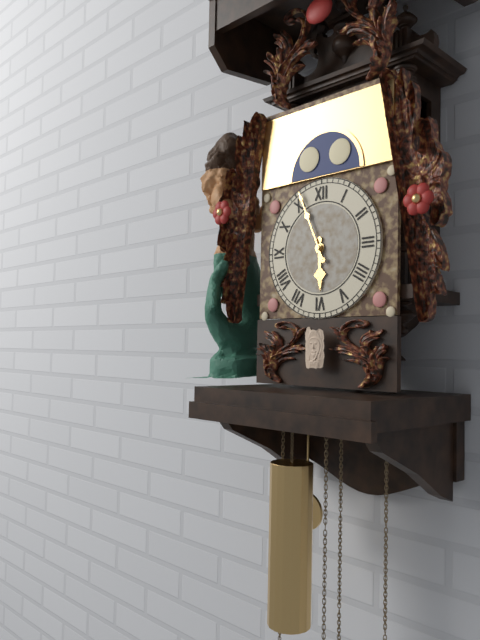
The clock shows 5:56
